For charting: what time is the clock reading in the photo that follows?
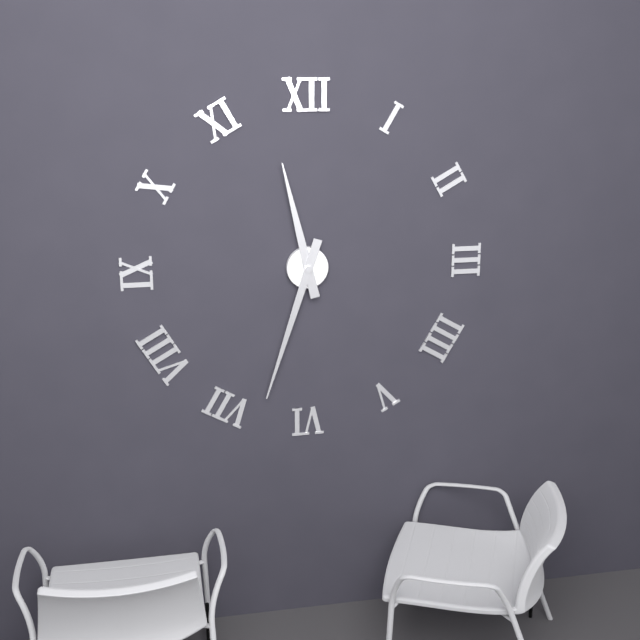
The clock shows 11:33
